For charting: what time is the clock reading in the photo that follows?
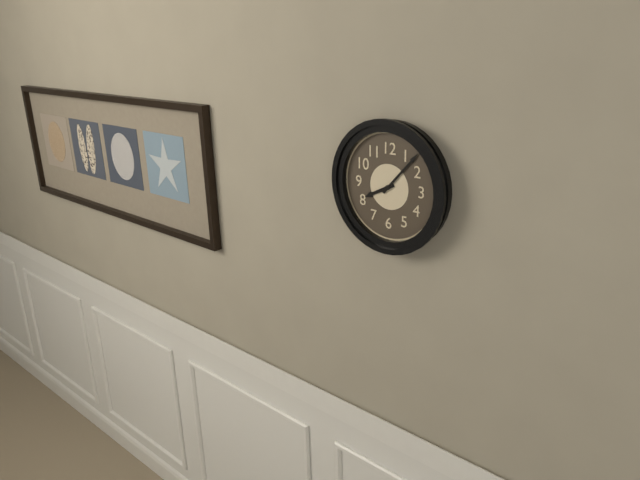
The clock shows 8:07
